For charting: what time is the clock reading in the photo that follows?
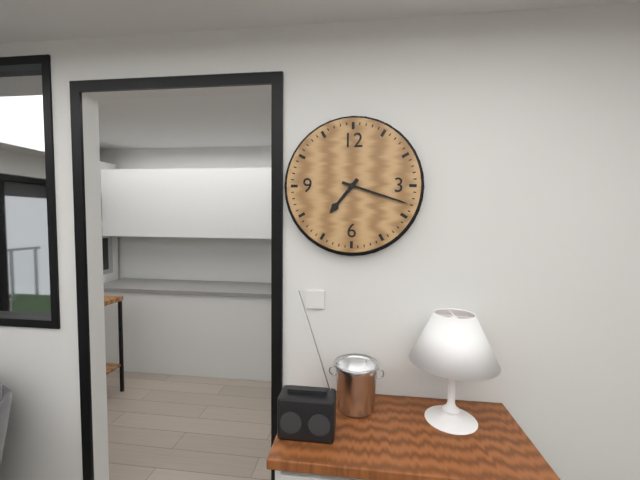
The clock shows 7:18
